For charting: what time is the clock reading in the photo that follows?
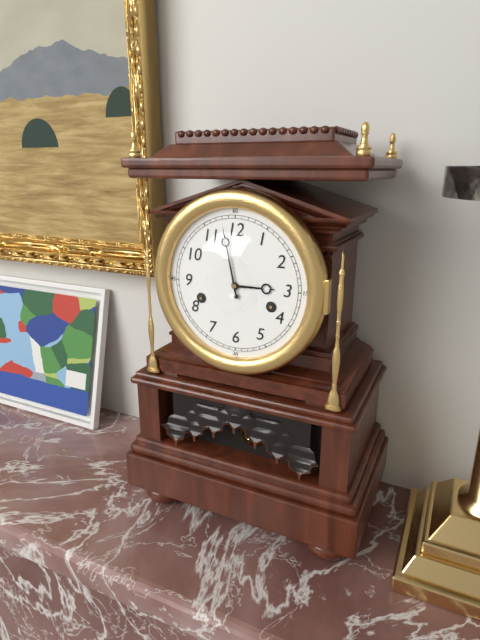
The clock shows 2:58
